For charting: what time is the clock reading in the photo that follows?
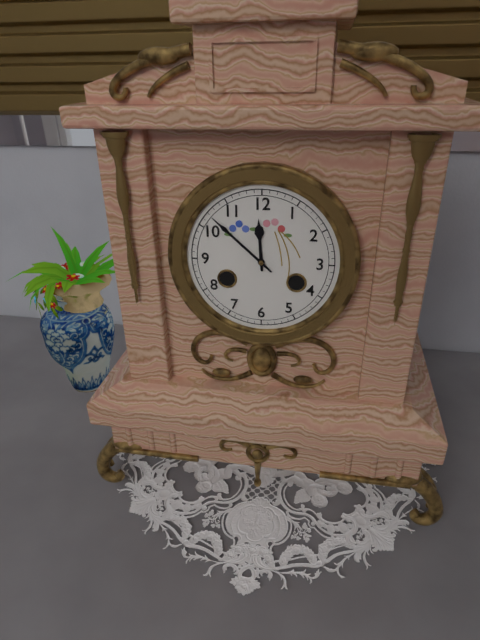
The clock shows 11:52
